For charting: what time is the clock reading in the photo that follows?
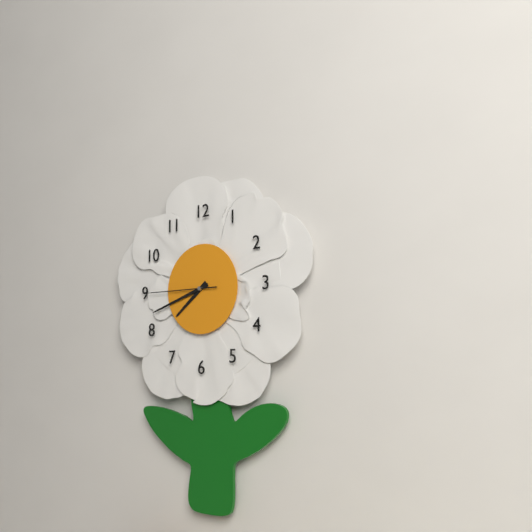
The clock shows 7:42:45
